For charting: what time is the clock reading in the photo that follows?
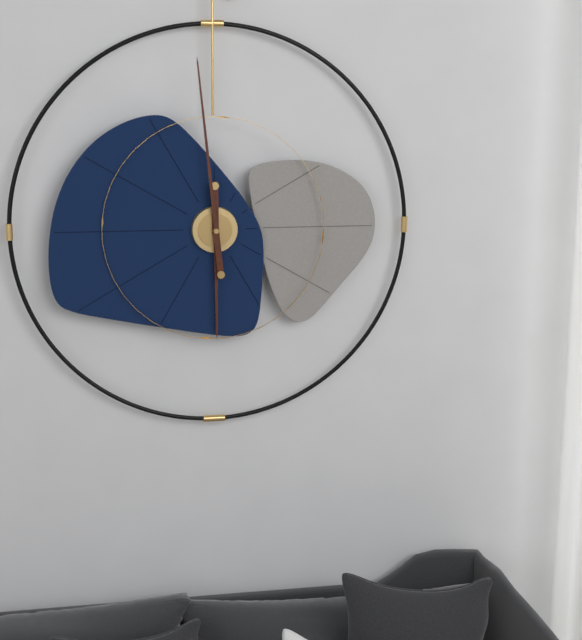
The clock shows 5:59
